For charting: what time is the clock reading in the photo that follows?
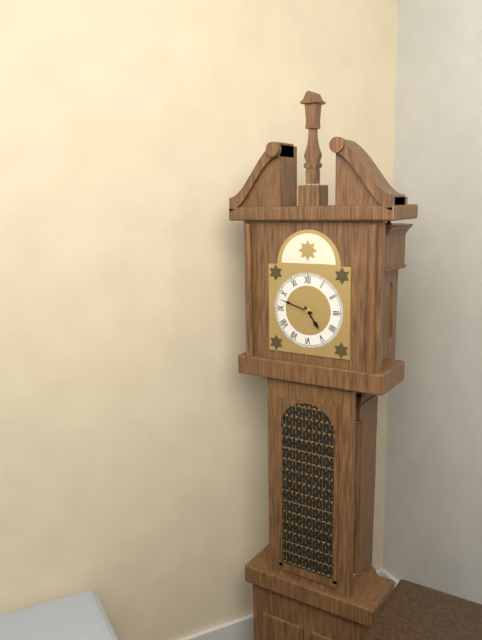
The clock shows 4:48
